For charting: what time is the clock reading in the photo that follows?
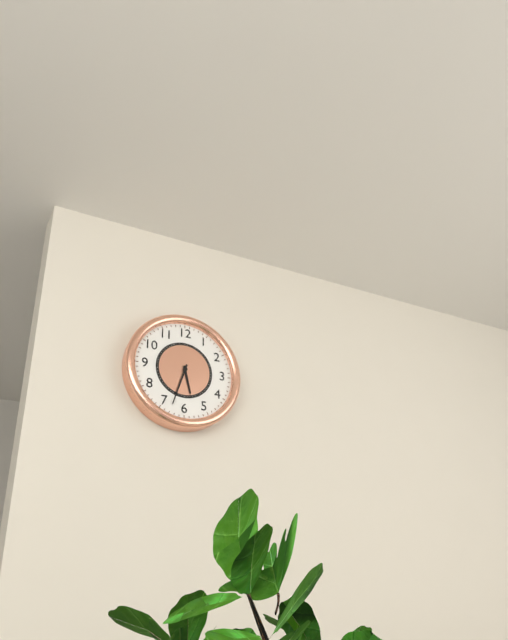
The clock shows 5:33
